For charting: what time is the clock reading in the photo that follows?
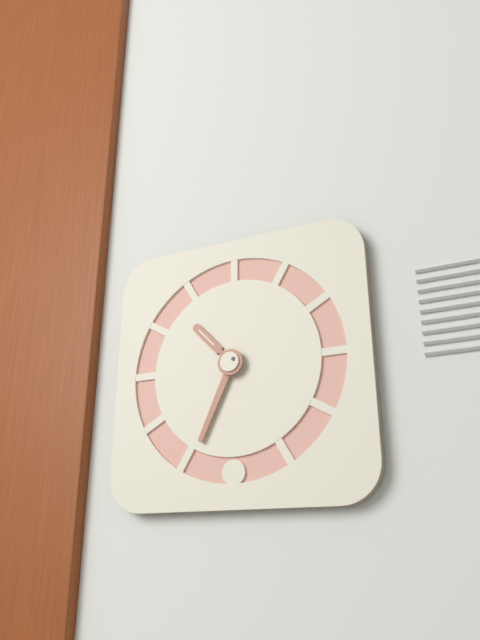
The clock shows 10:34
